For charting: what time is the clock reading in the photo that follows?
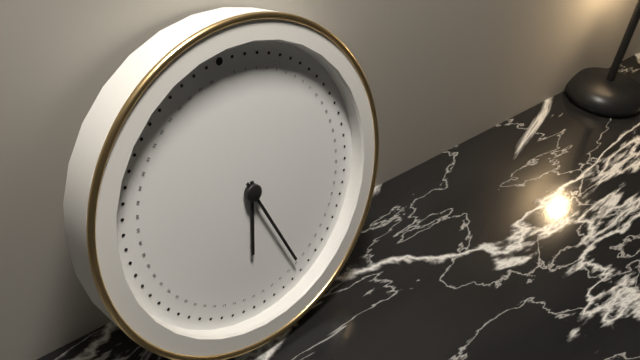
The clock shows 6:27
